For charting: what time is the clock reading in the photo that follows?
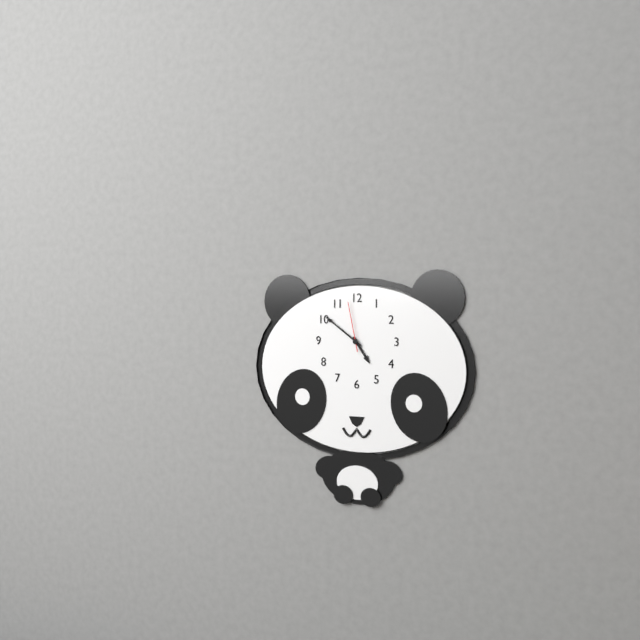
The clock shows 4:51:58
